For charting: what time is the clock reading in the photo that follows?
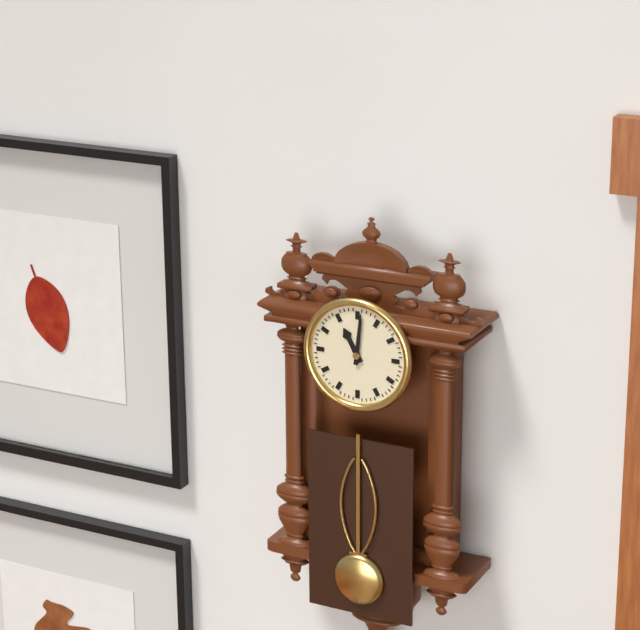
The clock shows 11:01
